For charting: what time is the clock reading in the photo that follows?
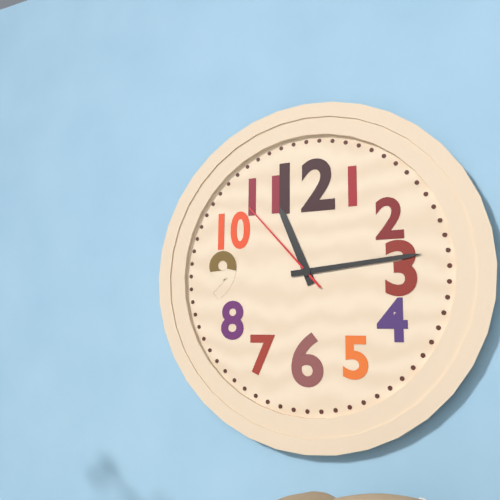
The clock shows 11:14:53
